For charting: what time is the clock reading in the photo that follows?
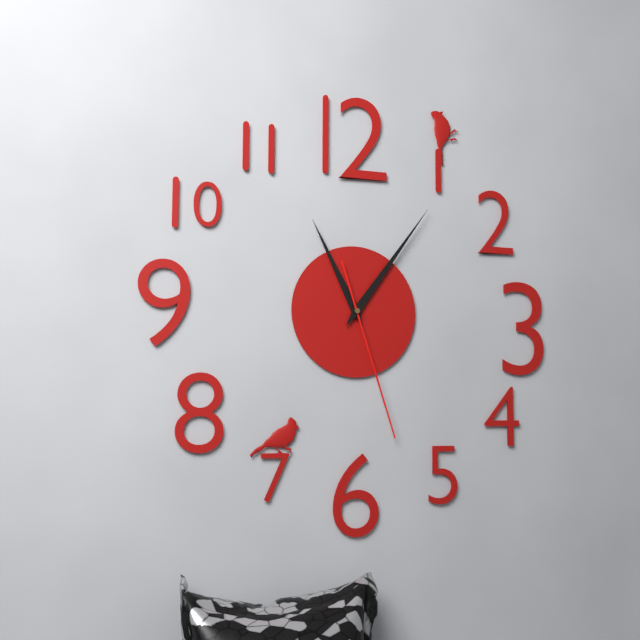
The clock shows 11:06:27
